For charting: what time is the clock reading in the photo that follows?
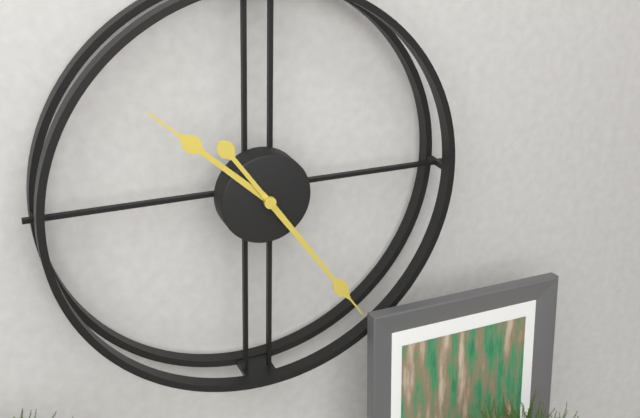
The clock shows 10:24
